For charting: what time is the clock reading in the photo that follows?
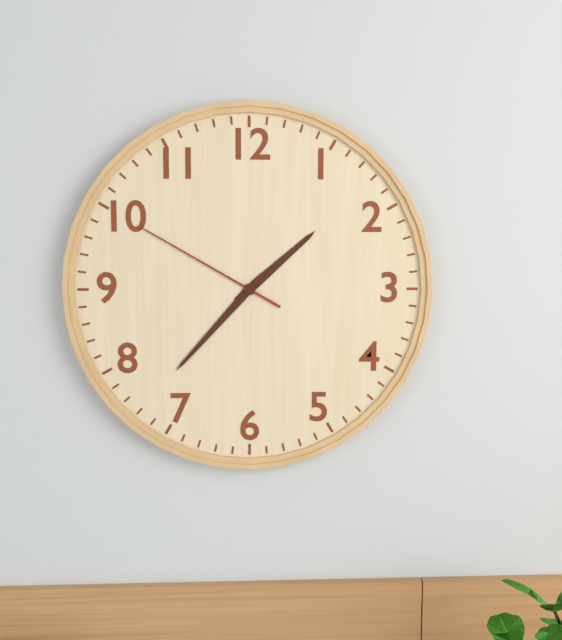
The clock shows 1:37:50
